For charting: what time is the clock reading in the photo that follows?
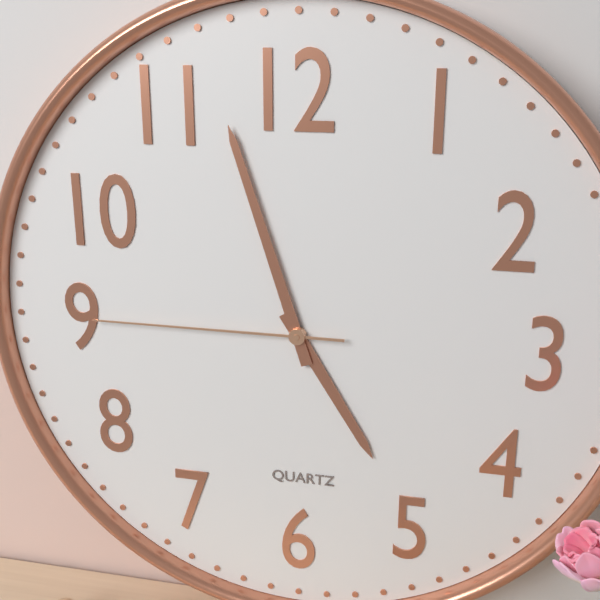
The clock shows 4:57:45
